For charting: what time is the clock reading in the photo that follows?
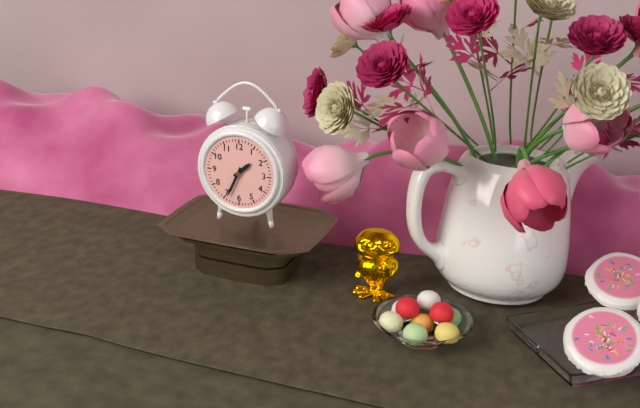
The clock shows 1:34
